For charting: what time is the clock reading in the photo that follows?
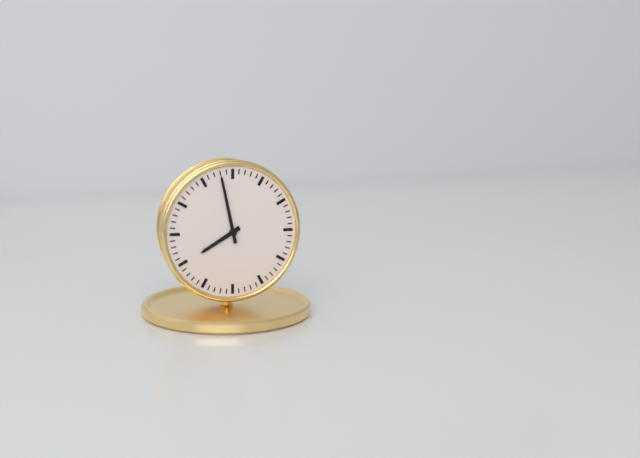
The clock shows 7:58
